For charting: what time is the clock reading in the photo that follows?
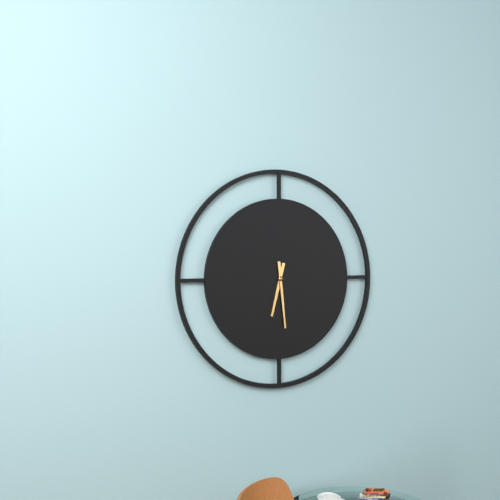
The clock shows 6:29
